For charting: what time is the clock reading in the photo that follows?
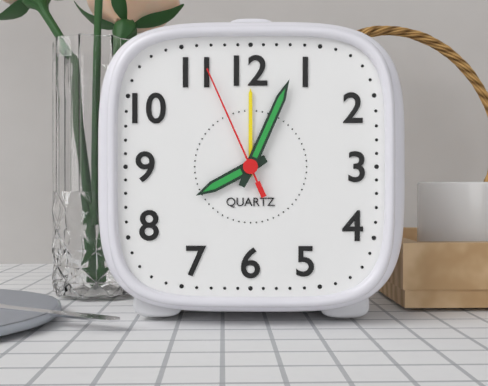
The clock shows 8:04:56
